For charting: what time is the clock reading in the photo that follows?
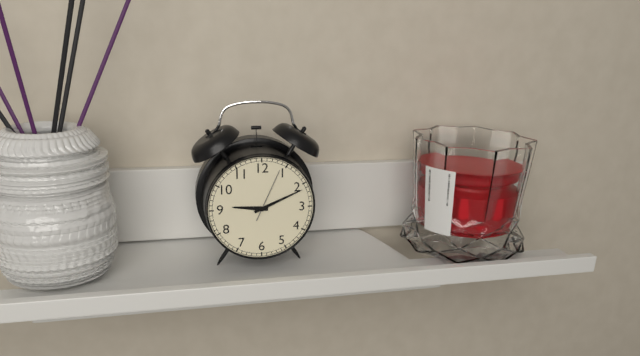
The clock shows 9:11:04
